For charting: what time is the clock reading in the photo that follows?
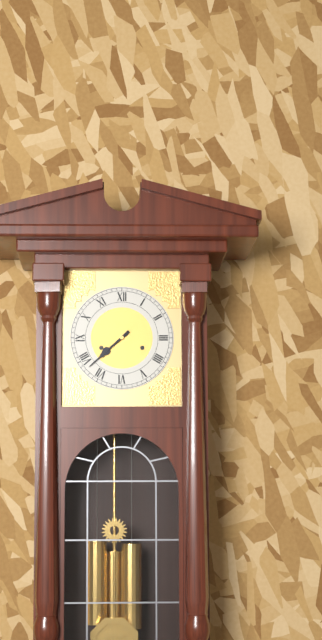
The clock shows 7:38
